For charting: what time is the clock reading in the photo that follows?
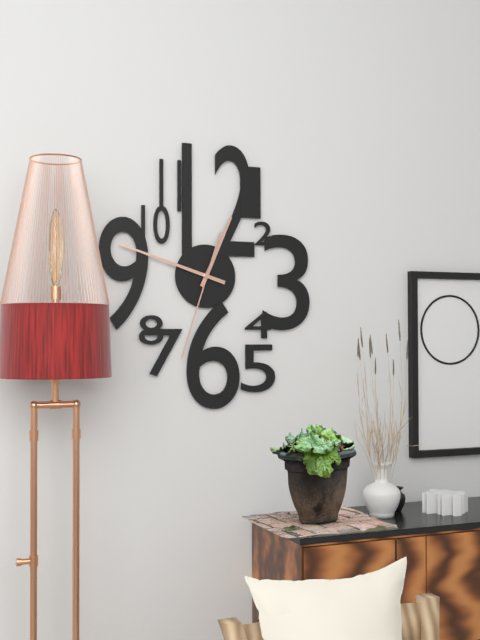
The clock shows 12:48:33
